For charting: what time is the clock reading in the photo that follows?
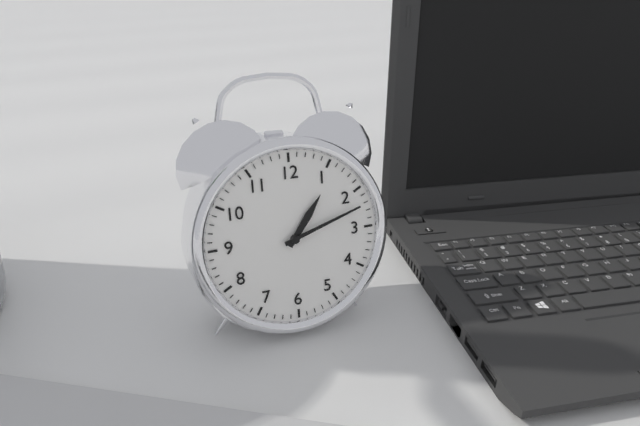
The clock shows 1:12
